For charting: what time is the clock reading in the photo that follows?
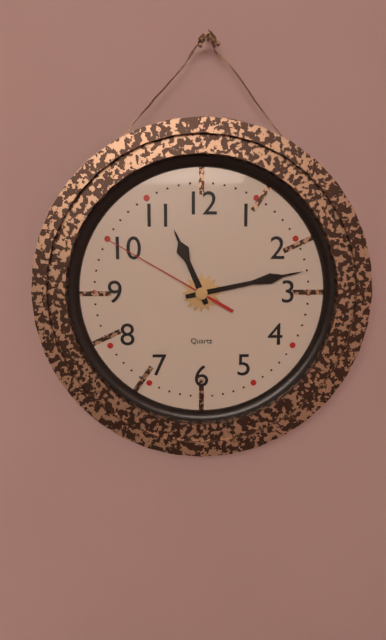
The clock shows 11:13:50
